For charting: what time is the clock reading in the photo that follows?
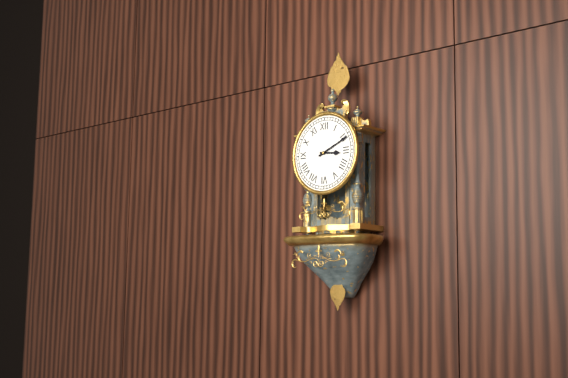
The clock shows 3:11
